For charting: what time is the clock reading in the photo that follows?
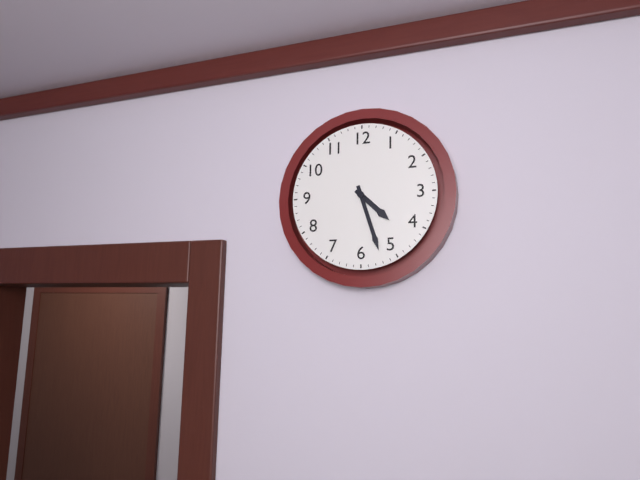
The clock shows 4:27
